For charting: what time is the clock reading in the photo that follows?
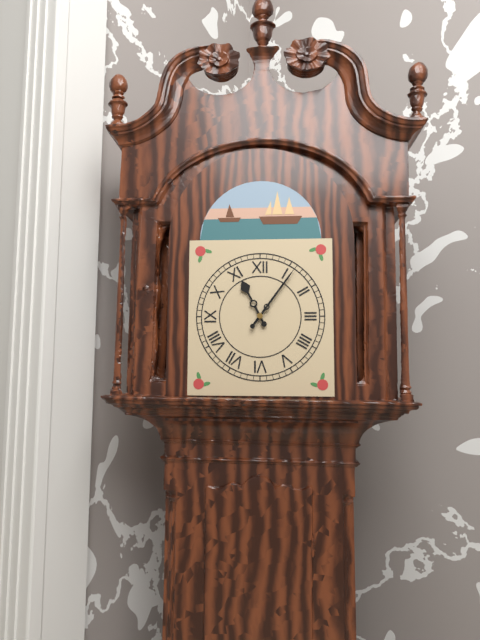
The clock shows 11:06
